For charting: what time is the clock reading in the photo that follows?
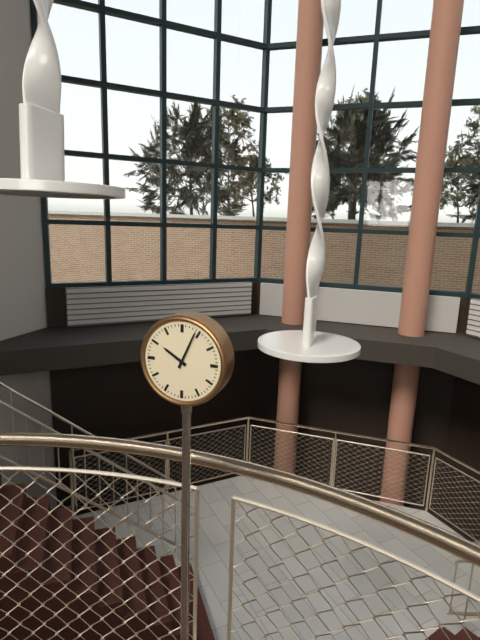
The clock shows 10:04
